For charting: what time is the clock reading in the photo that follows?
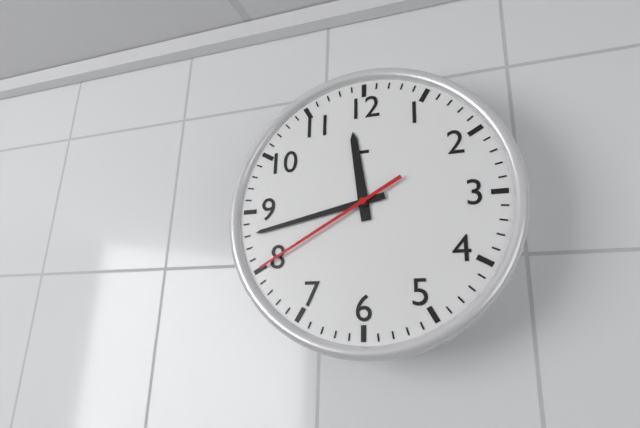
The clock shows 11:43:40
